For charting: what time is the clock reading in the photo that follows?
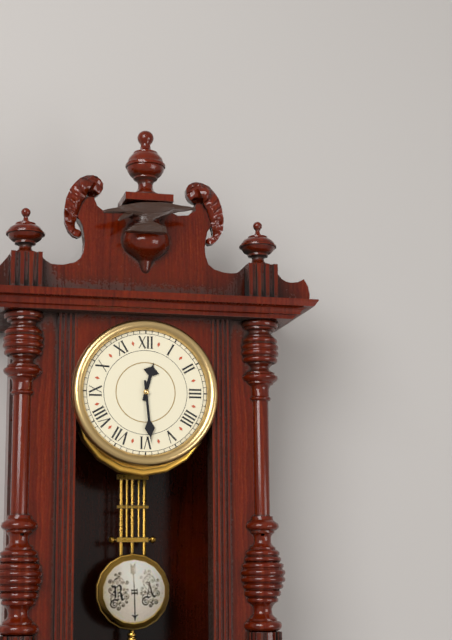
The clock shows 12:29
